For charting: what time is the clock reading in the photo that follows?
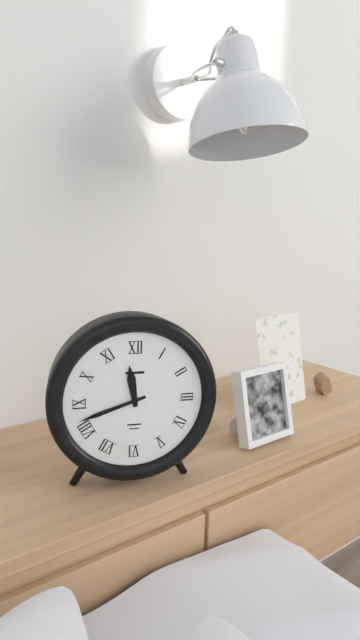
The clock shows 11:42
